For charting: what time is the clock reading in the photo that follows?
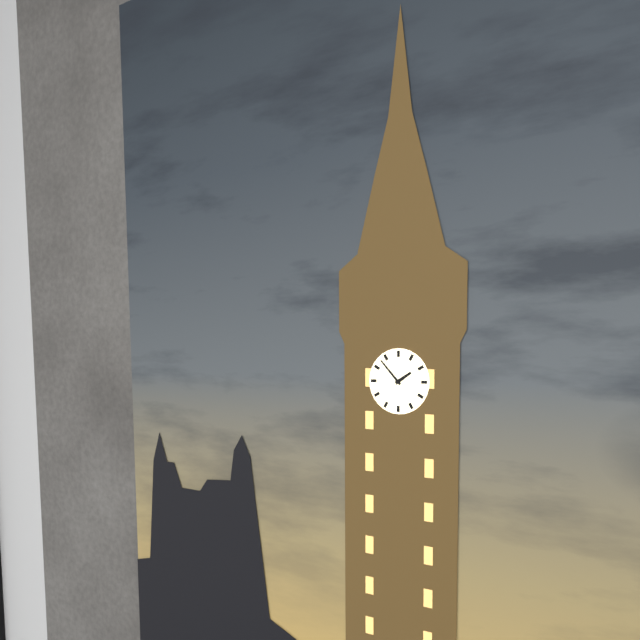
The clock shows 1:53
